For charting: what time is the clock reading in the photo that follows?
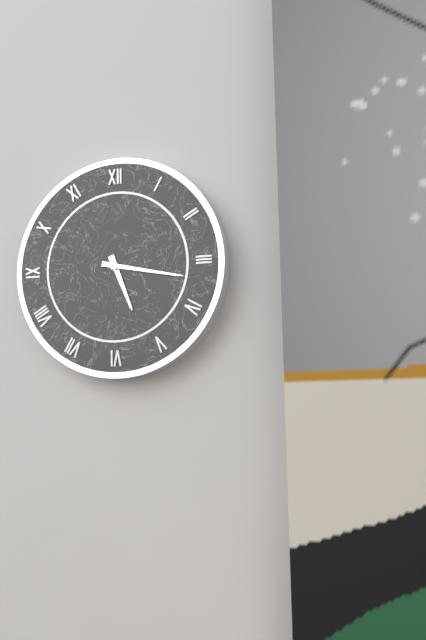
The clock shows 5:17
